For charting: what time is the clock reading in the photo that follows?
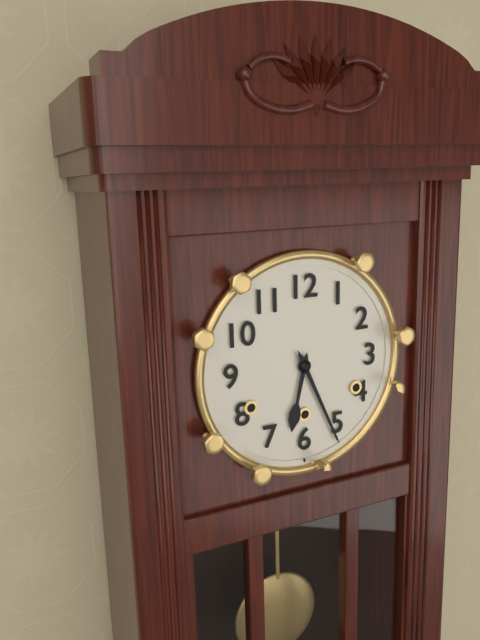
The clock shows 6:26
